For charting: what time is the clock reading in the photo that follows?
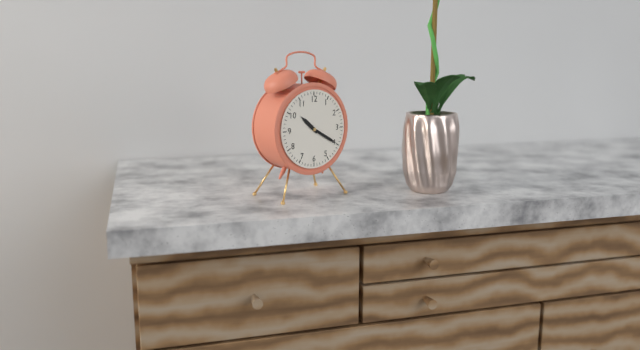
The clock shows 10:20
